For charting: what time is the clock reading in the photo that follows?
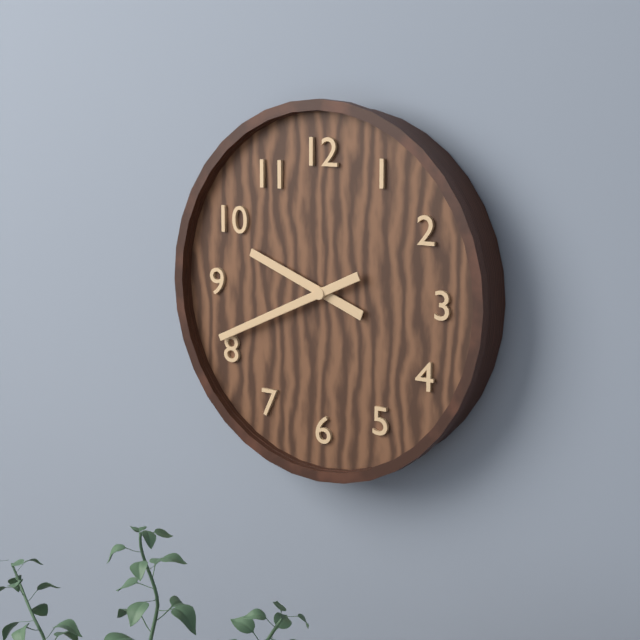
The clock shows 9:41
